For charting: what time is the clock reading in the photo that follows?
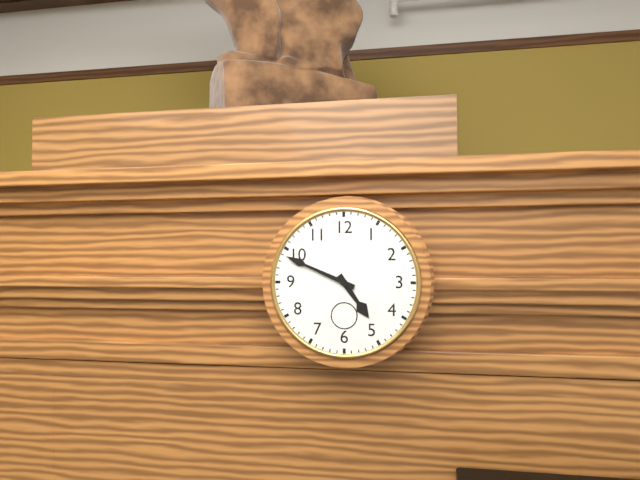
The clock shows 4:49
